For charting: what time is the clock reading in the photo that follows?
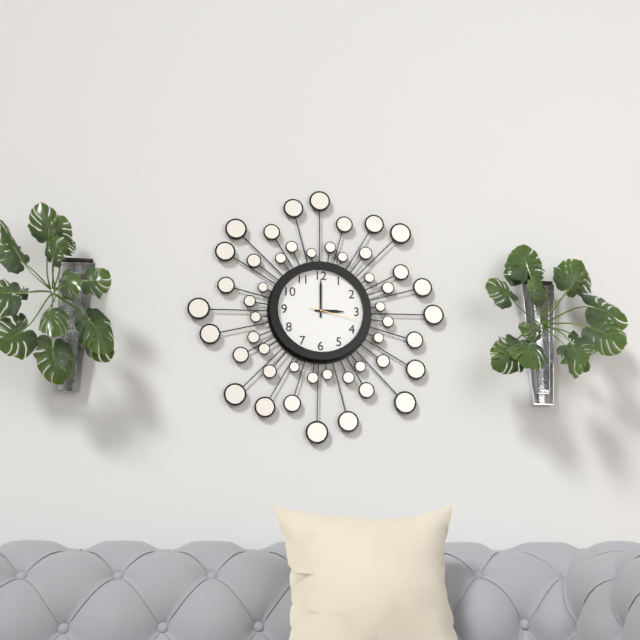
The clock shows 3:00
